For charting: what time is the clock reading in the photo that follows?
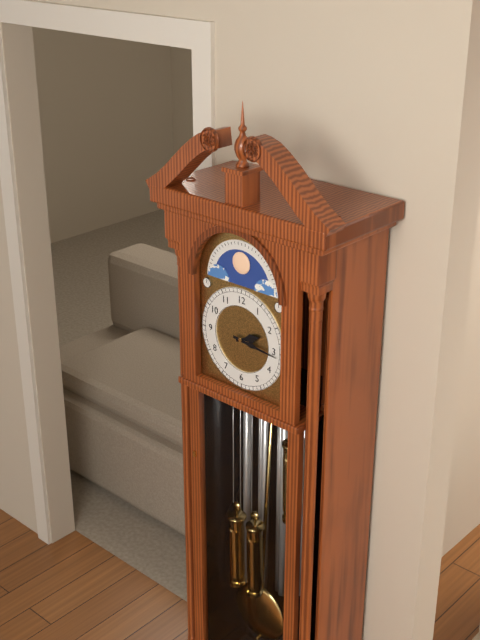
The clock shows 2:16
